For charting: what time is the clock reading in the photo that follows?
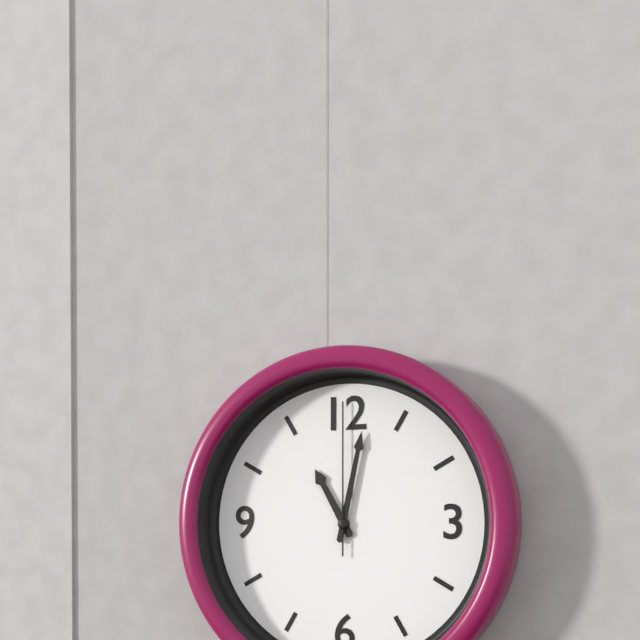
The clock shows 11:02:00
